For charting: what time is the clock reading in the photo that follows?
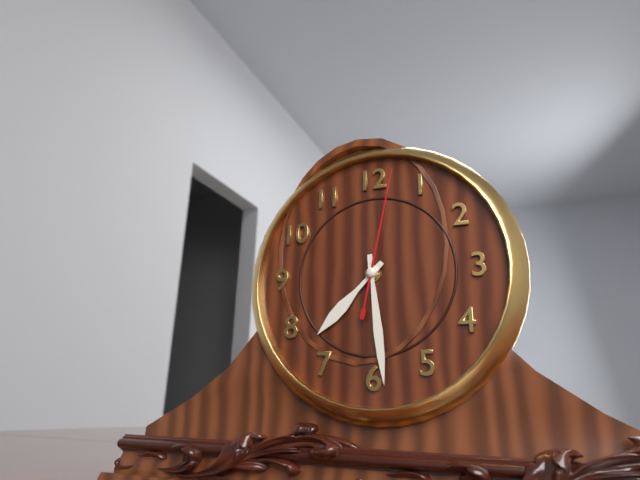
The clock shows 7:29:02
